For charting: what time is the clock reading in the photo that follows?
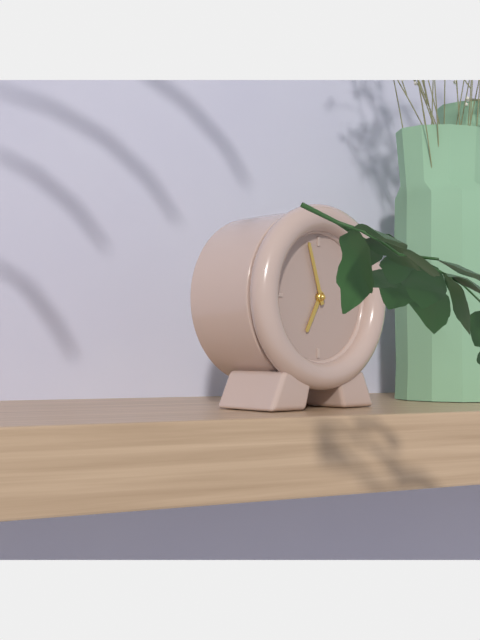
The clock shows 6:57
